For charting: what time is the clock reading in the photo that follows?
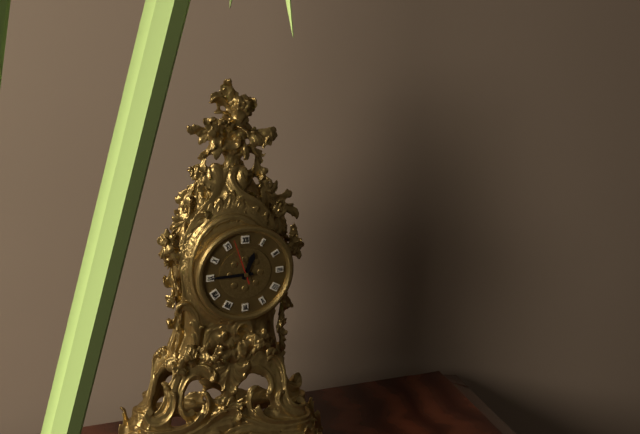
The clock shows 12:45
